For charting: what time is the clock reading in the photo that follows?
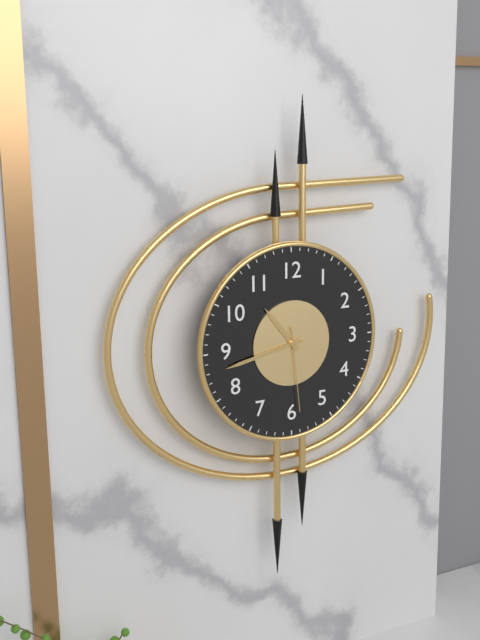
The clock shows 10:43:29
